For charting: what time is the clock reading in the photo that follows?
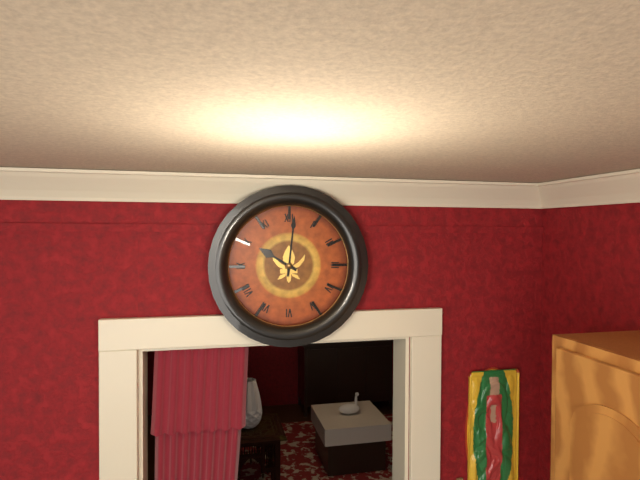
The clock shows 10:01
